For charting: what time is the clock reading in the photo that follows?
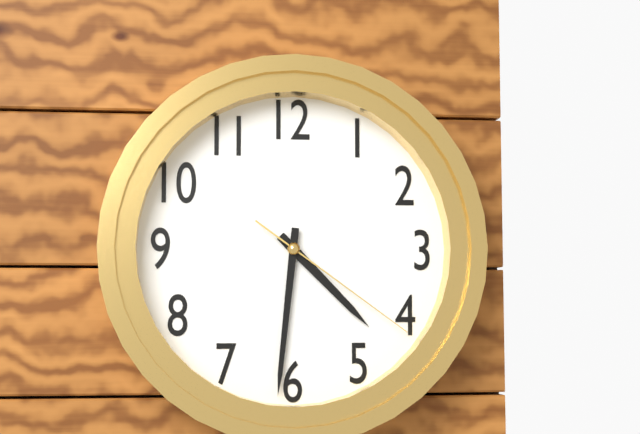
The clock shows 4:31:21
